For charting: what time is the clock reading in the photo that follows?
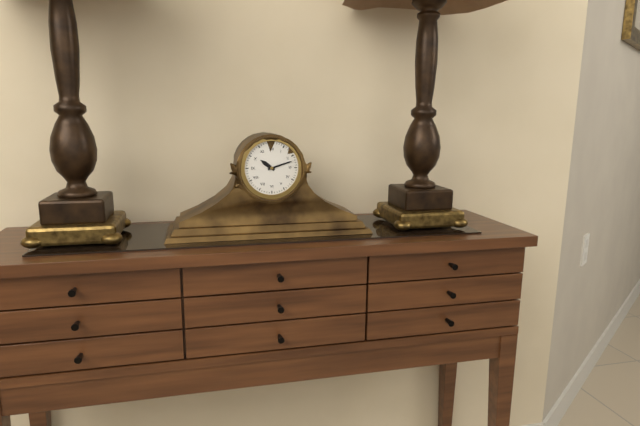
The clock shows 10:12
